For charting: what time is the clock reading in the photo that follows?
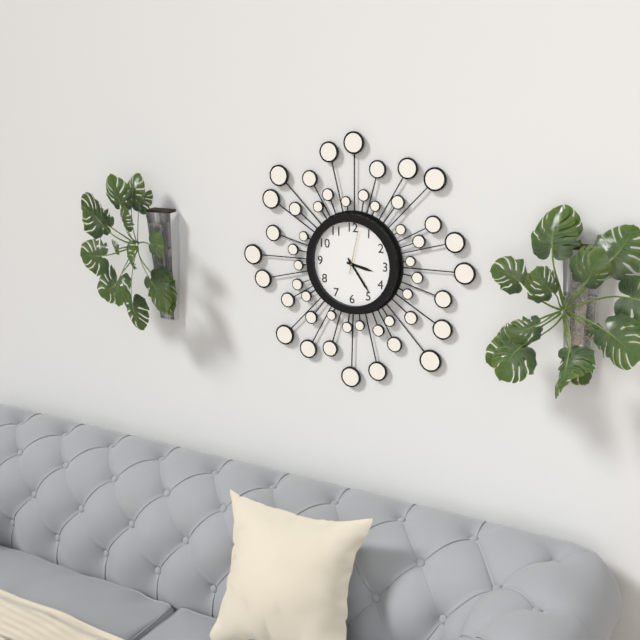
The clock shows 3:24
